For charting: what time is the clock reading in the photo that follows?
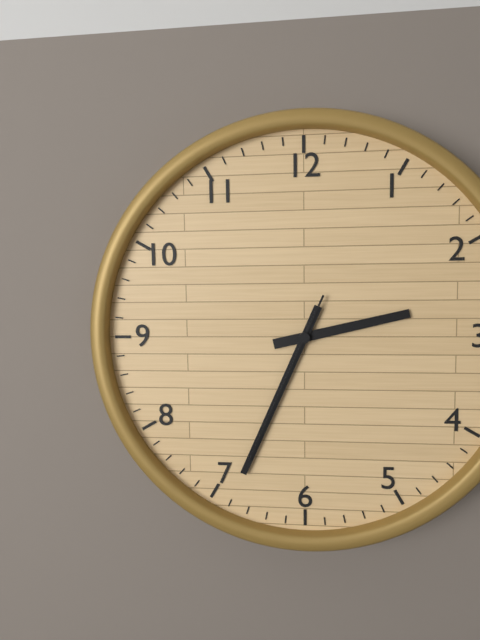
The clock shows 2:34:34
